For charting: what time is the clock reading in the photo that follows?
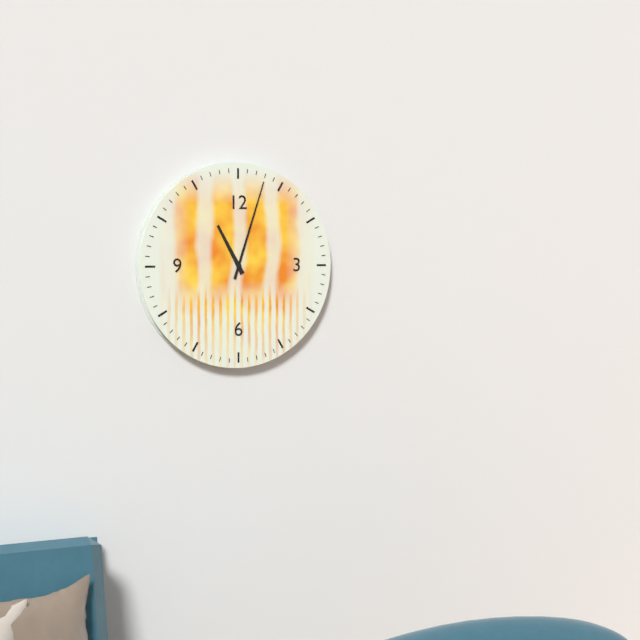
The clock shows 11:03
